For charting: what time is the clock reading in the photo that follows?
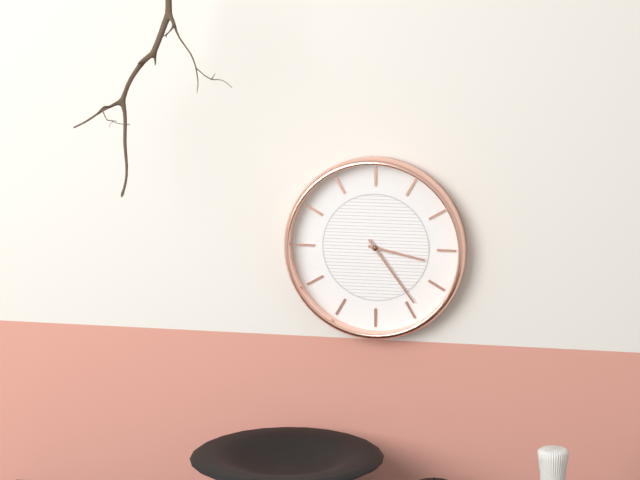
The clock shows 3:24
